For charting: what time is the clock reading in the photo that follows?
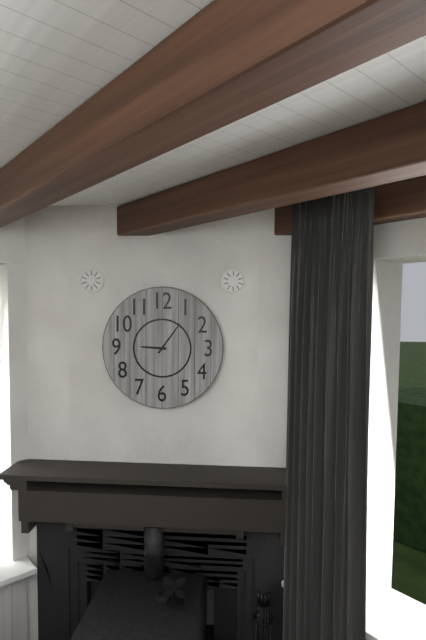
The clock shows 9:06
